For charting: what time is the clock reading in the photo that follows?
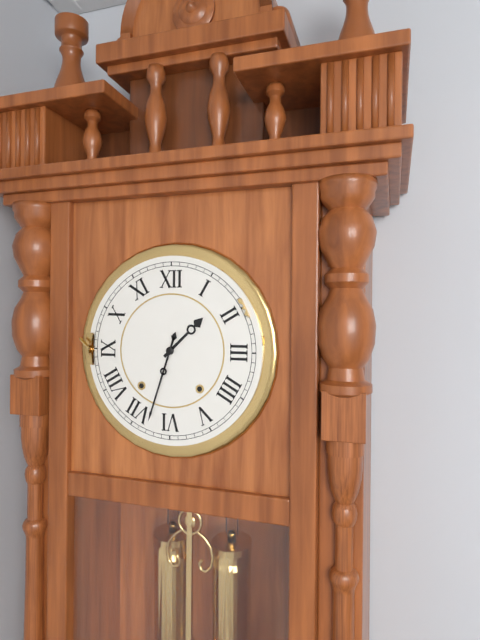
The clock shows 1:33
